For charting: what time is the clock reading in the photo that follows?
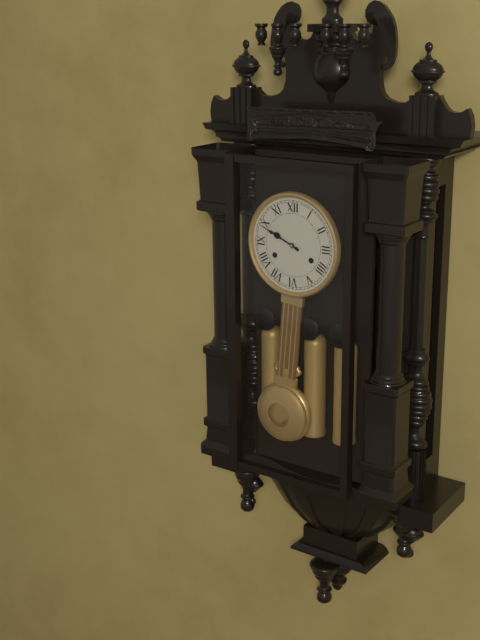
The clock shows 9:49
